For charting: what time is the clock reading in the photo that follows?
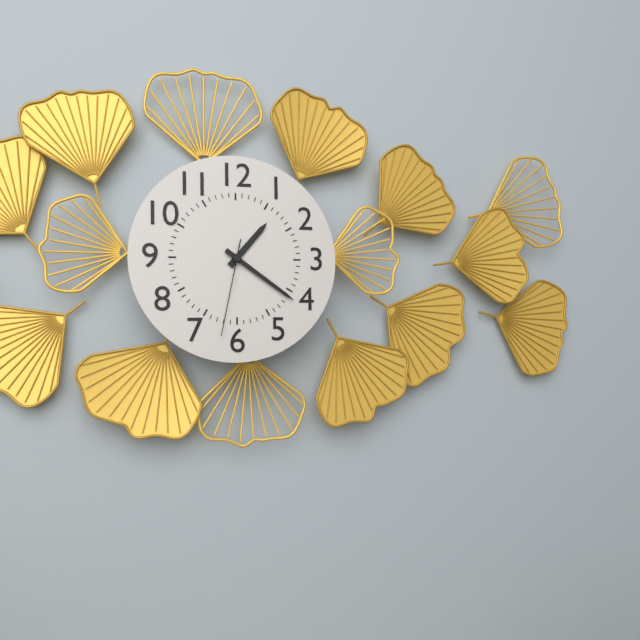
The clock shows 1:21:32
